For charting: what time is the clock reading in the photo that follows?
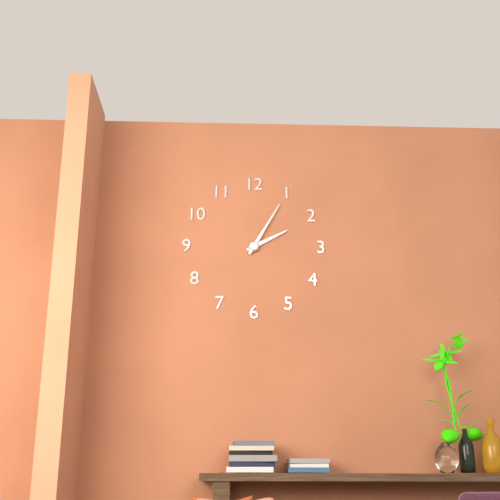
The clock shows 2:05
